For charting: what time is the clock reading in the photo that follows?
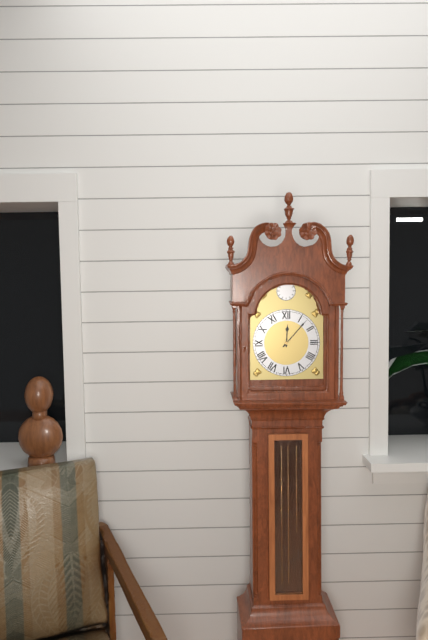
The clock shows 12:07
